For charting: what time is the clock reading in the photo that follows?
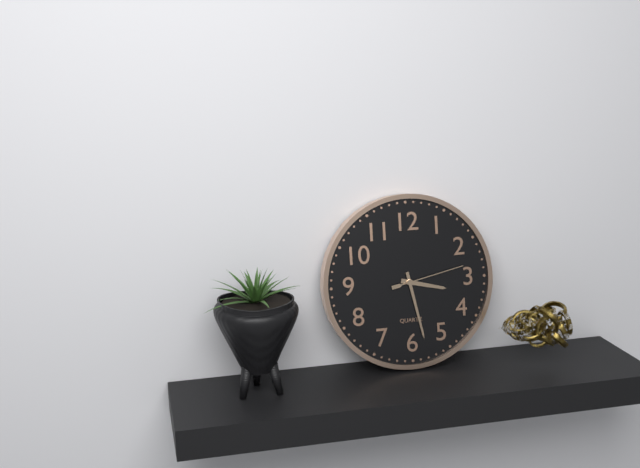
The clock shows 3:28:13
